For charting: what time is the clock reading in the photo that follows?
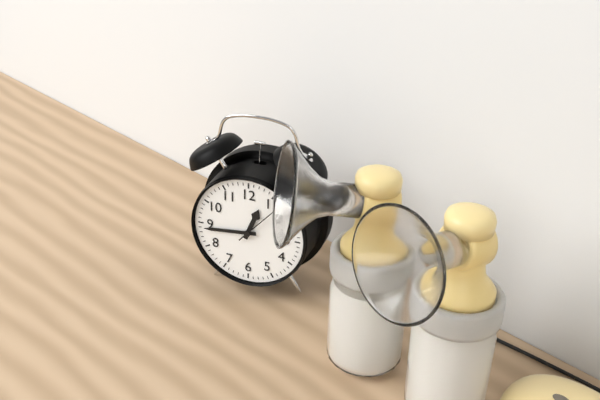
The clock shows 12:44:07
